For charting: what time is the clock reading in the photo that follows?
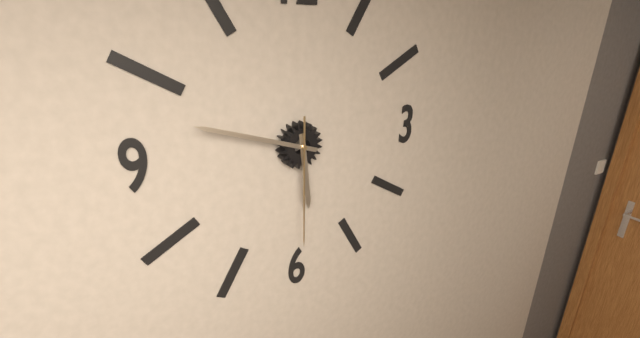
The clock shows 5:48:30
